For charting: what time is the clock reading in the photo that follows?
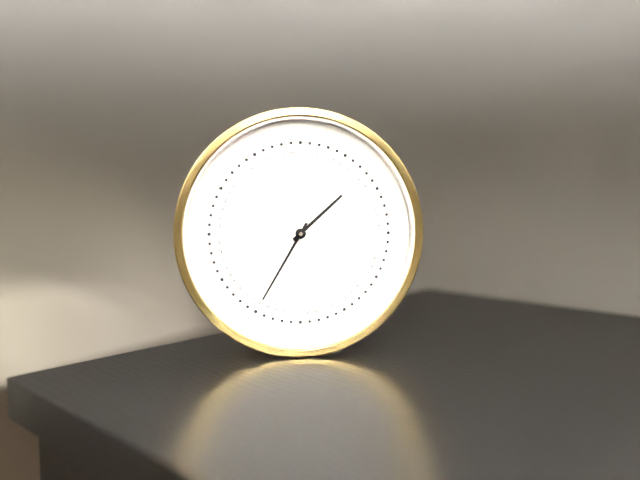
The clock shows 1:35
